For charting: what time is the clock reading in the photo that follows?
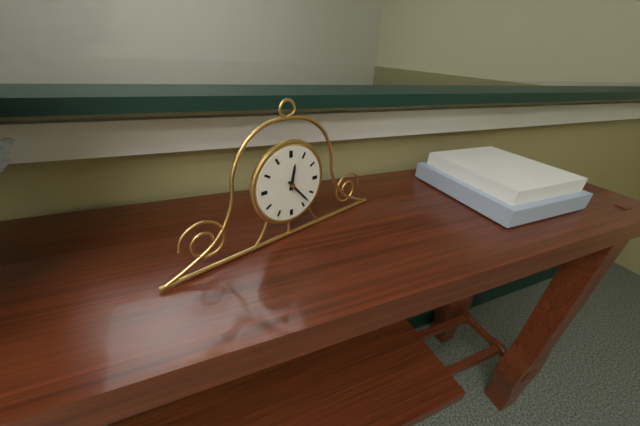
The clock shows 12:23
